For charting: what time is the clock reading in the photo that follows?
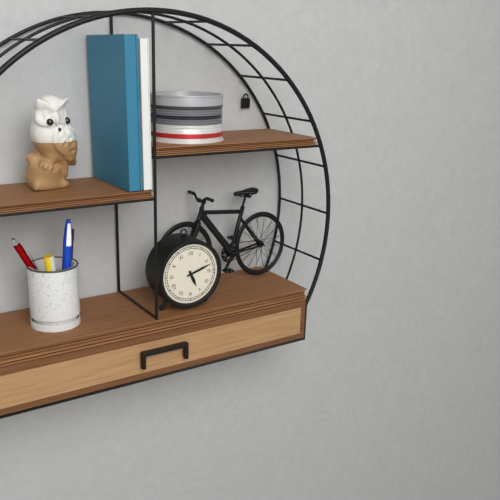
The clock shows 5:12
